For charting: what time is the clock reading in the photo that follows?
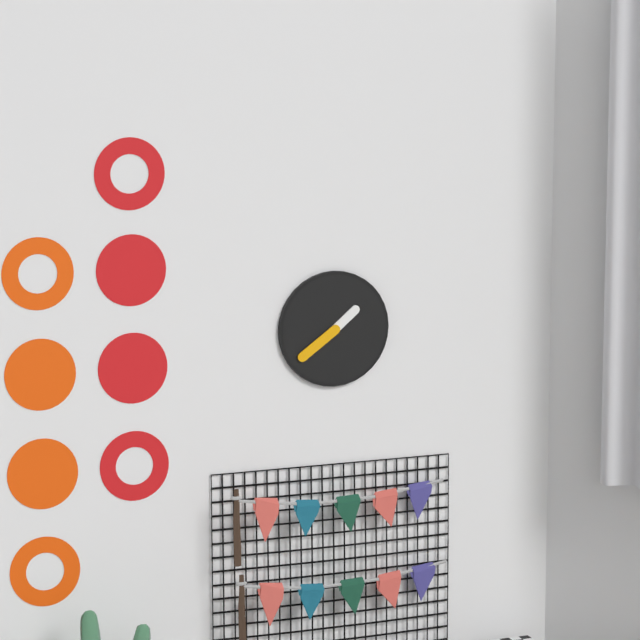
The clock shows 1:39
